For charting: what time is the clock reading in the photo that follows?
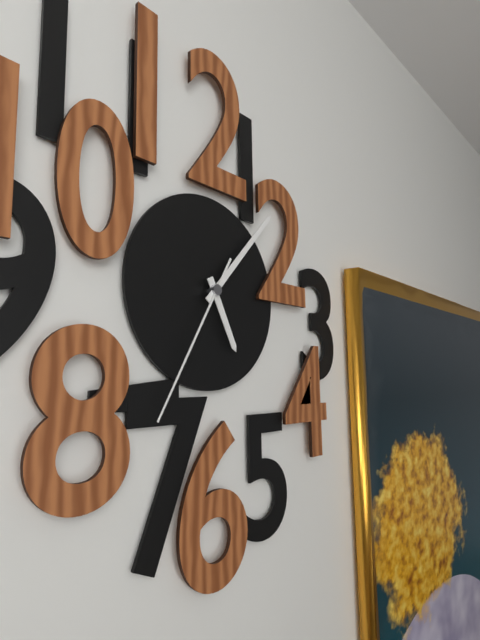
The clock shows 5:07:35
